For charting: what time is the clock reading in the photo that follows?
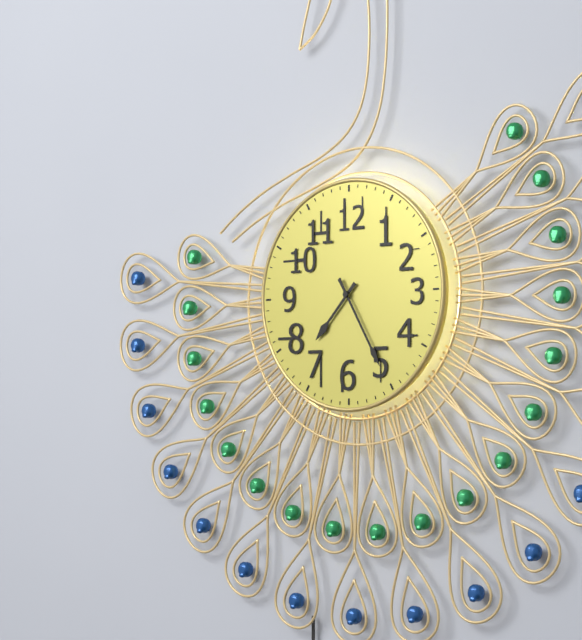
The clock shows 7:25
